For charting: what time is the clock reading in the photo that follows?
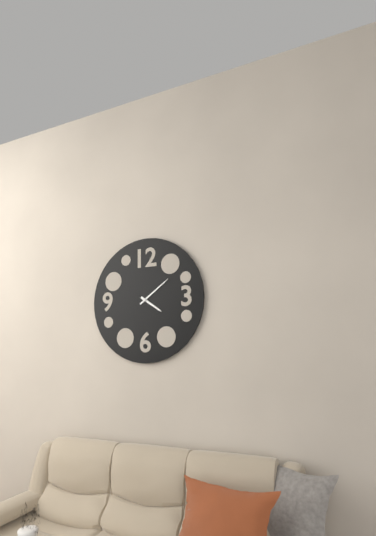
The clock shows 4:09
